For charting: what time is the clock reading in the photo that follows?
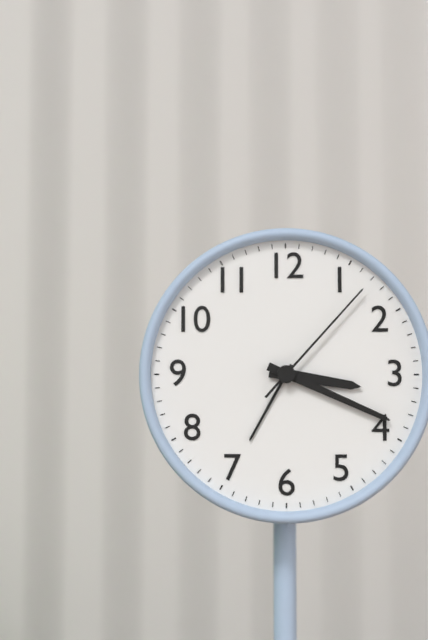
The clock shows 3:19:07
